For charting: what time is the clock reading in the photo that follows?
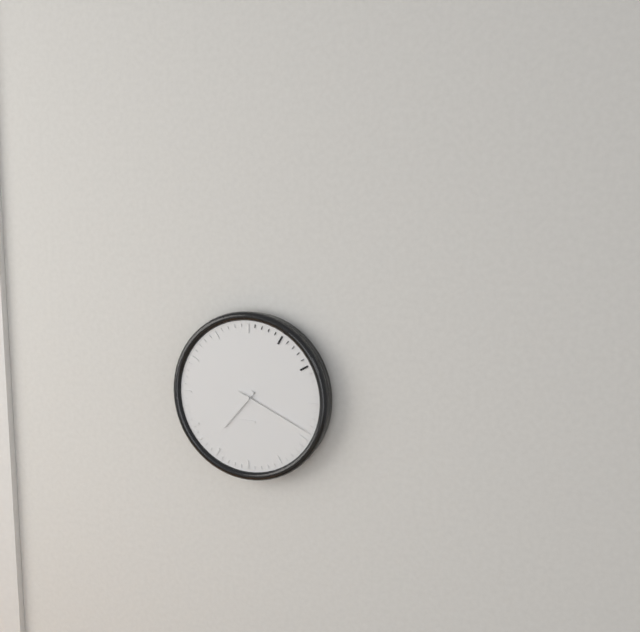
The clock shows 7:19
